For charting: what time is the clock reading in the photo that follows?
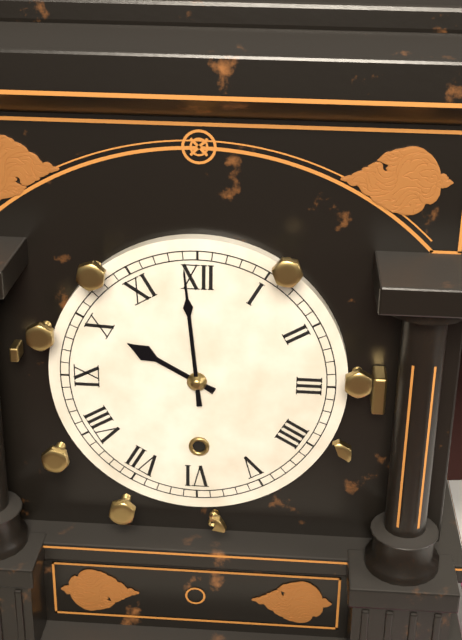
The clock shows 9:59
